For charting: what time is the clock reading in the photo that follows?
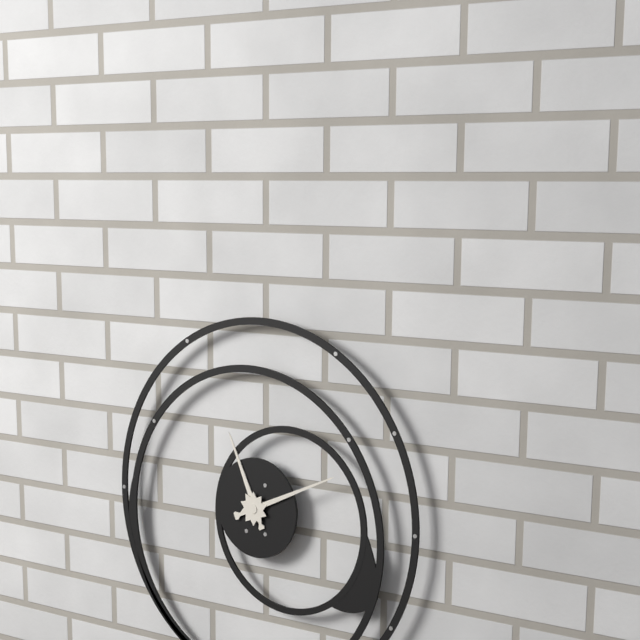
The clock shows 11:11
